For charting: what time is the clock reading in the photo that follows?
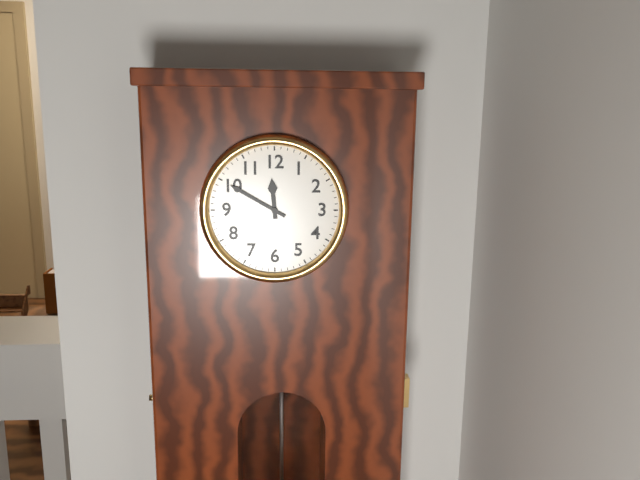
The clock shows 11:50
